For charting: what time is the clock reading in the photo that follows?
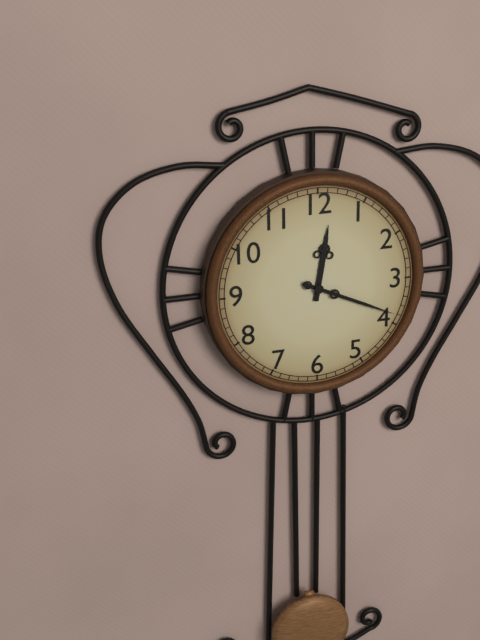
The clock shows 12:19
